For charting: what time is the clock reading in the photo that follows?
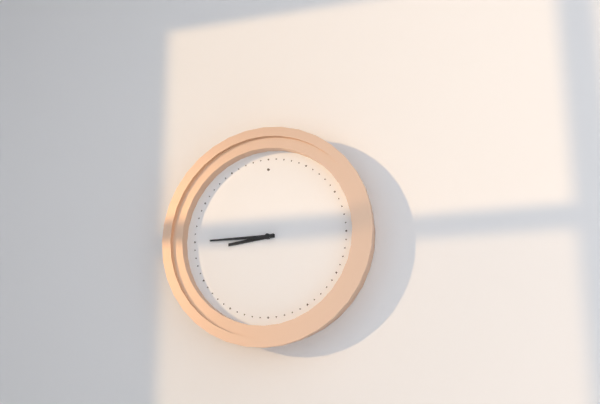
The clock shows 8:45
